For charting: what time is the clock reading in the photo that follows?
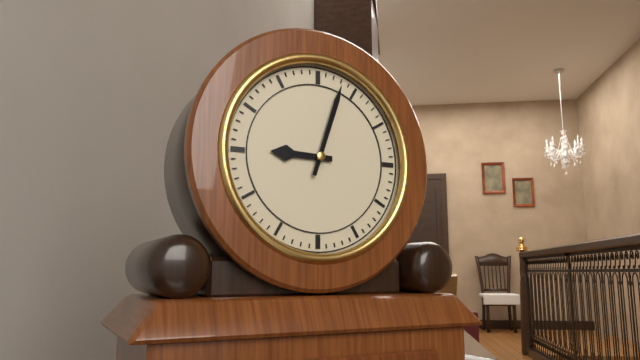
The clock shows 9:03
